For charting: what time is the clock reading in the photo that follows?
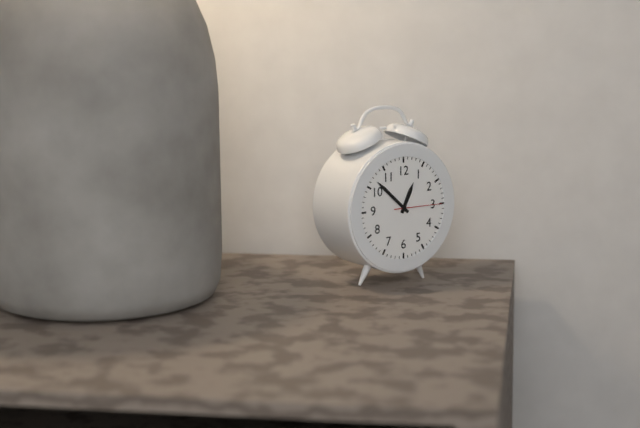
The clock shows 12:52
